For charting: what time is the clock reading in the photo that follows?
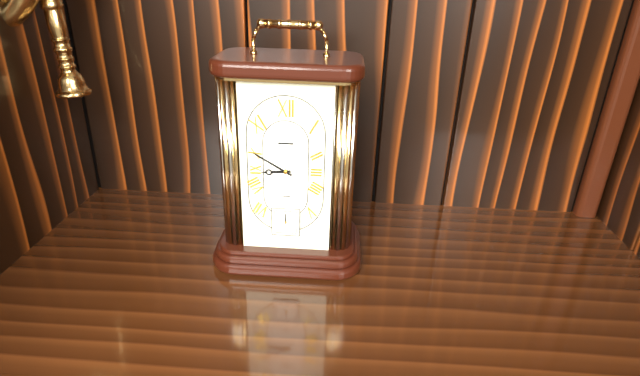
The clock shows 8:50
